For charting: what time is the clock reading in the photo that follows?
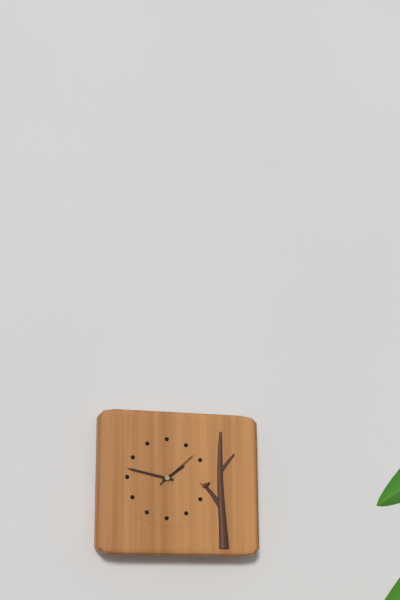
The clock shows 1:47
